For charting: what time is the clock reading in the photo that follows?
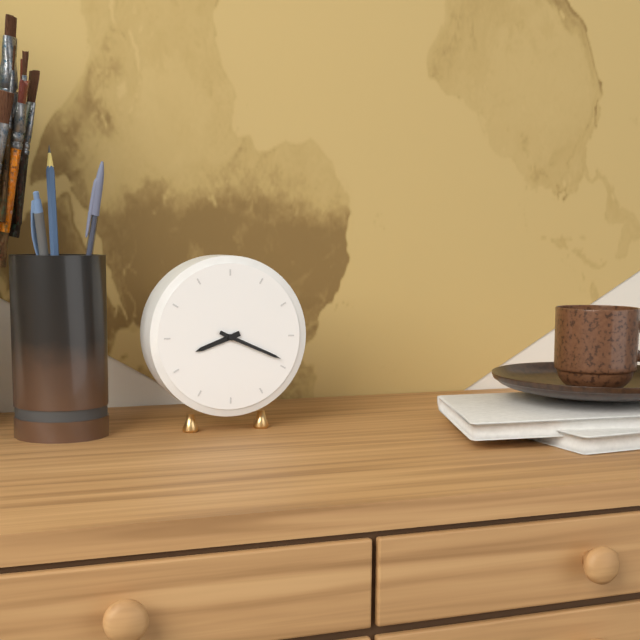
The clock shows 8:19
